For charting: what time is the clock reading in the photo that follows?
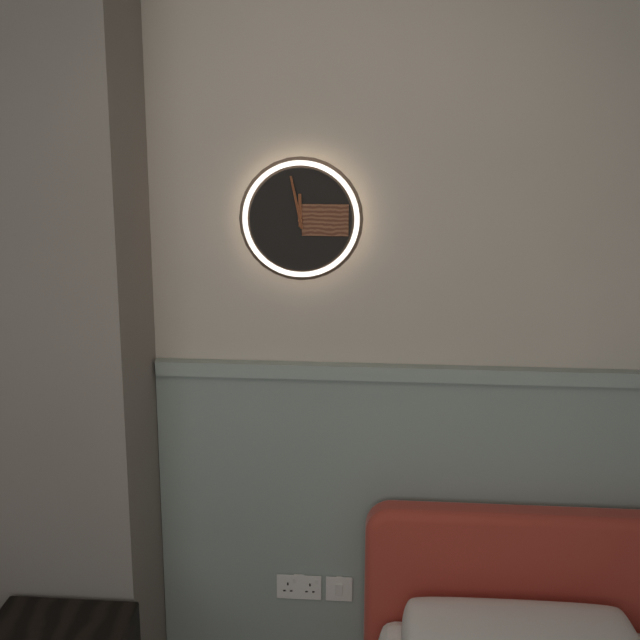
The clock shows 11:58
